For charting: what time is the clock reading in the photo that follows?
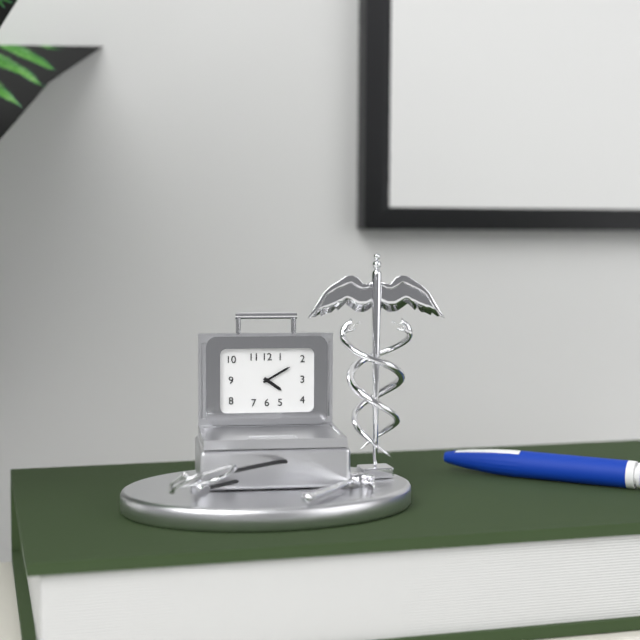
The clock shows 4:10
